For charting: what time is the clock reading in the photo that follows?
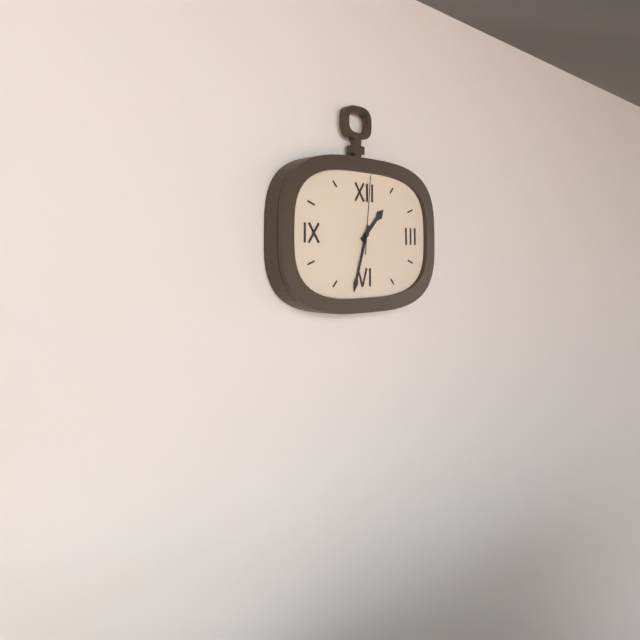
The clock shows 1:33:01
